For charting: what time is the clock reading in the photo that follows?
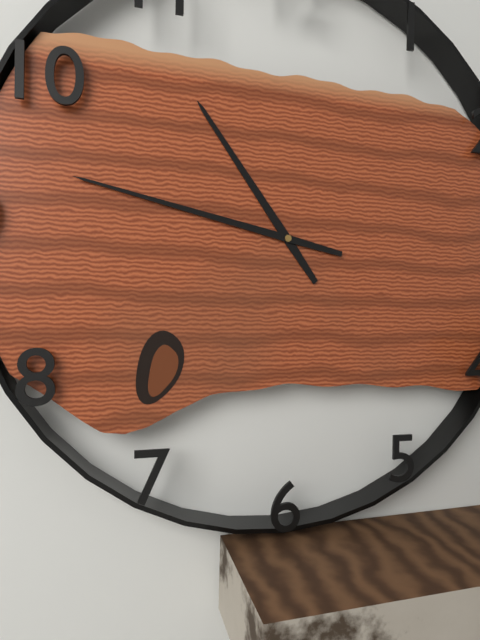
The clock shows 10:47
